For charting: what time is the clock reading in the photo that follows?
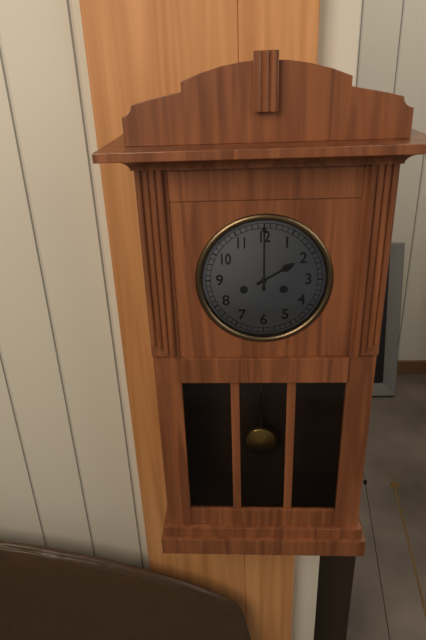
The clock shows 2:00
